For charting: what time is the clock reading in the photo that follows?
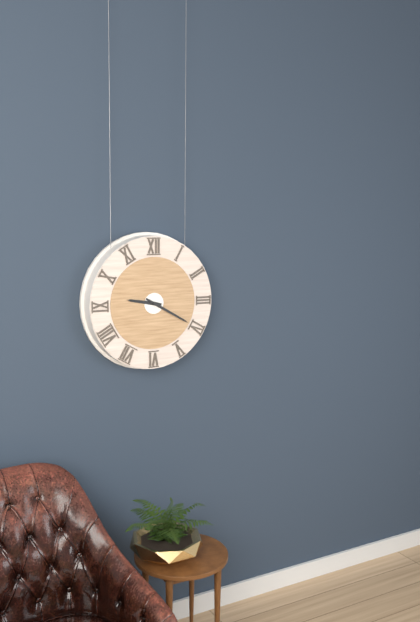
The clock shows 9:20
